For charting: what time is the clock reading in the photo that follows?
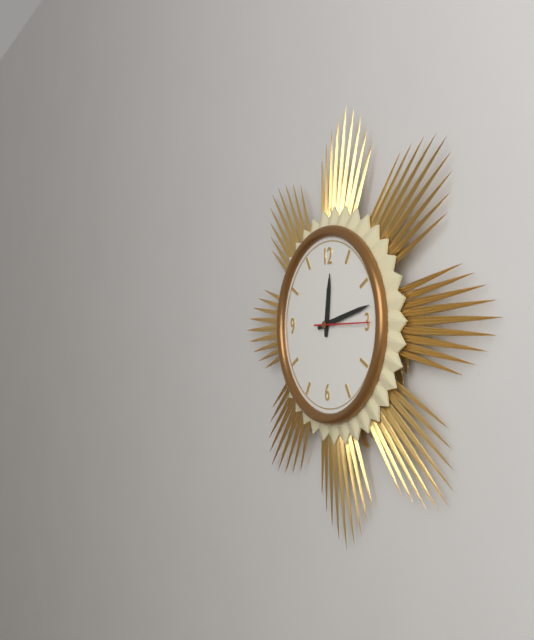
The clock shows 12:13:15
